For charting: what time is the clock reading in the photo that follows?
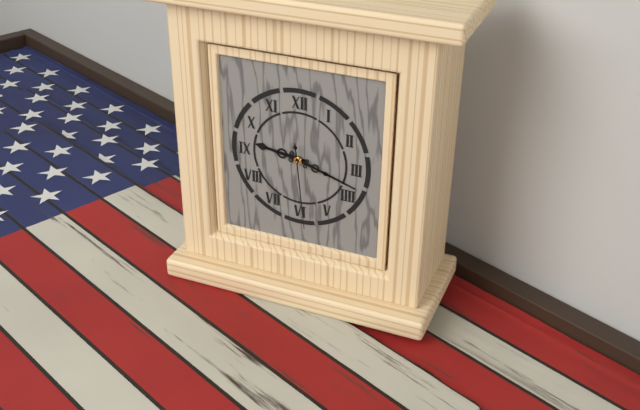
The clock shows 9:18:29
